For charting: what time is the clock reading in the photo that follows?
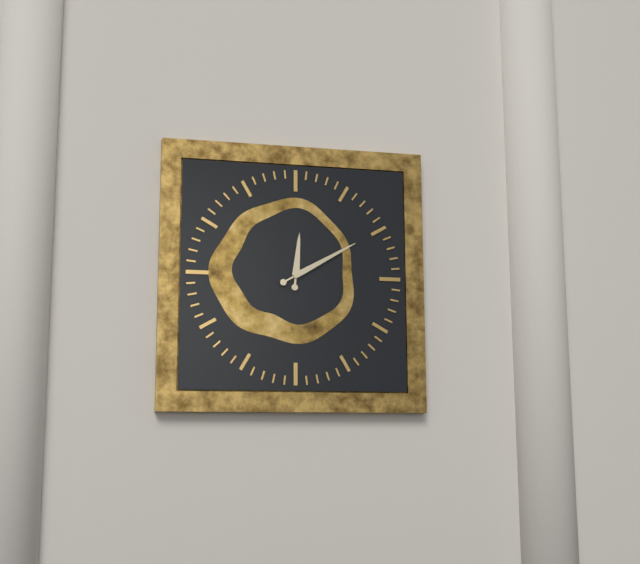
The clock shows 12:10
